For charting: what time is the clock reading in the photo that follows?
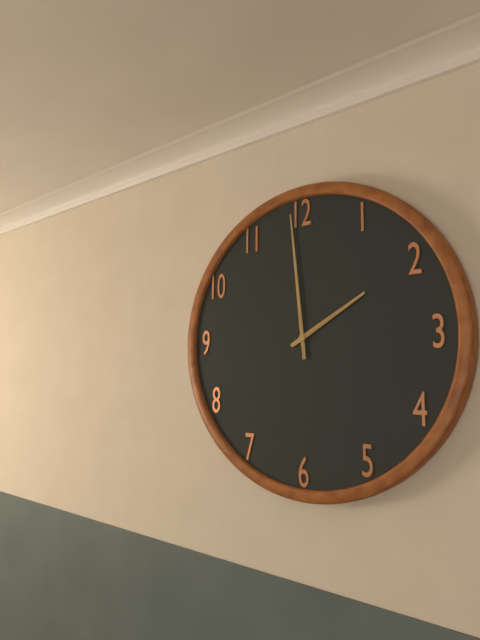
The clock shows 1:59
